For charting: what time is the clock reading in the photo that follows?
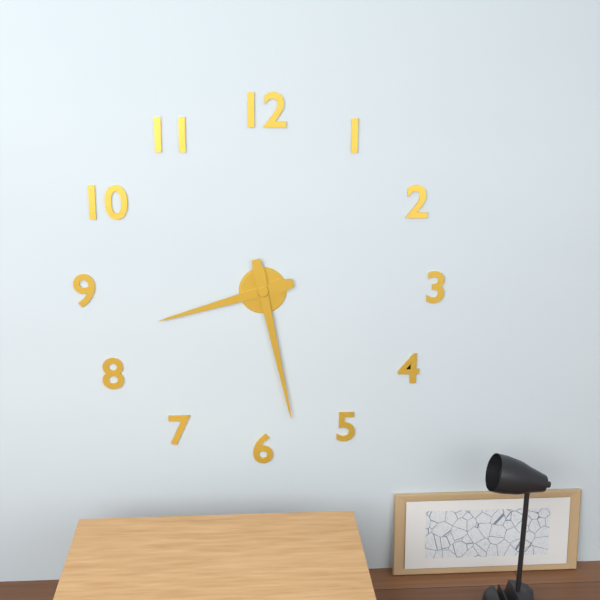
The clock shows 8:28
